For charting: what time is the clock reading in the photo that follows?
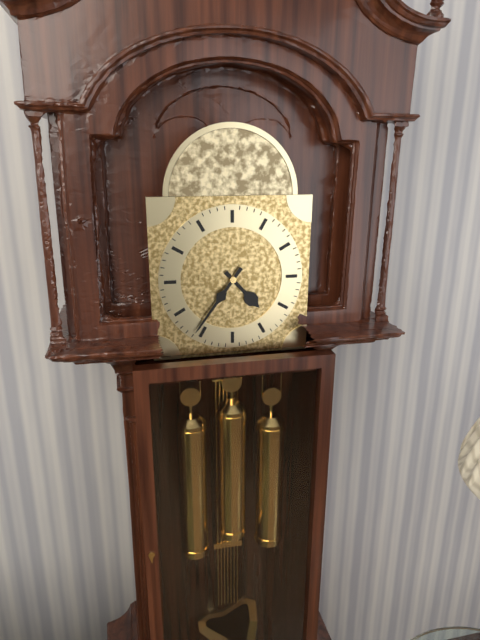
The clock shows 4:36
